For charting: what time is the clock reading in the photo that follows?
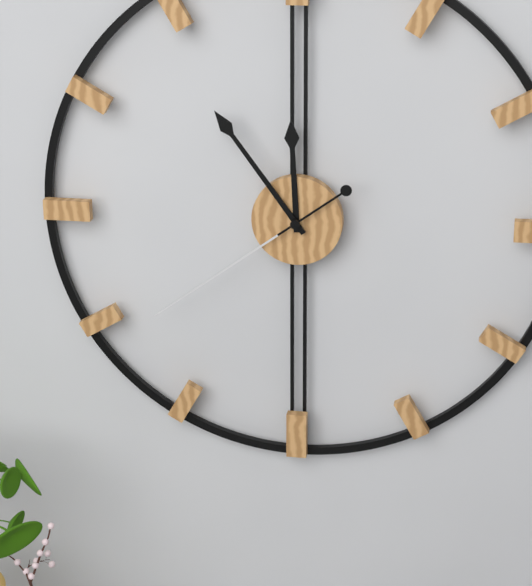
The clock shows 11:54:39
